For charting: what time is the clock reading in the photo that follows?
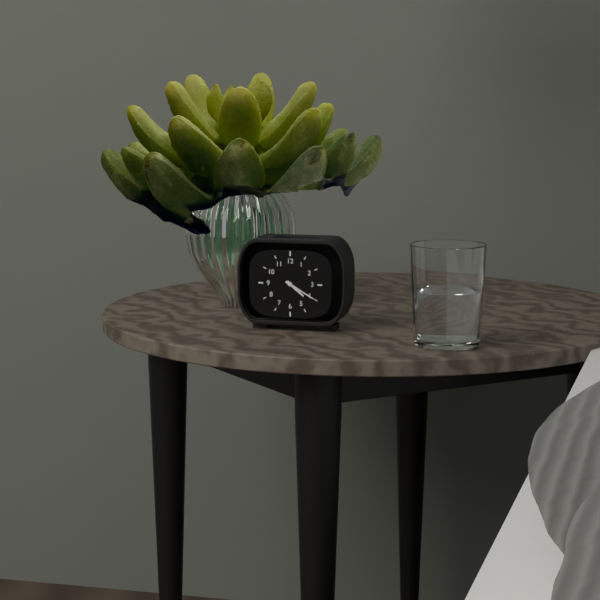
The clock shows 4:20
